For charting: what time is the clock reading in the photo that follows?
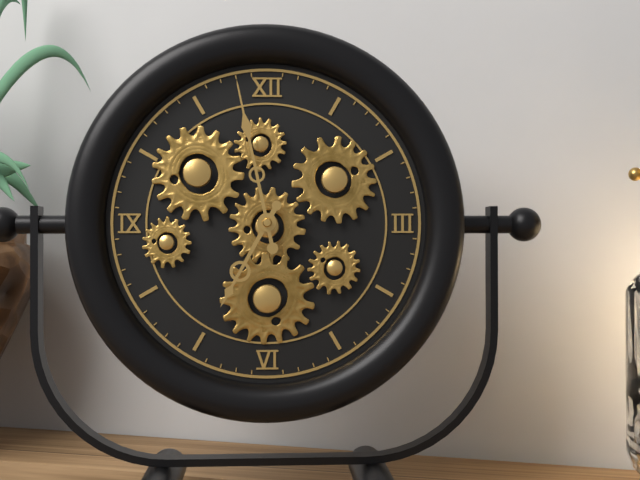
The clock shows 6:58
